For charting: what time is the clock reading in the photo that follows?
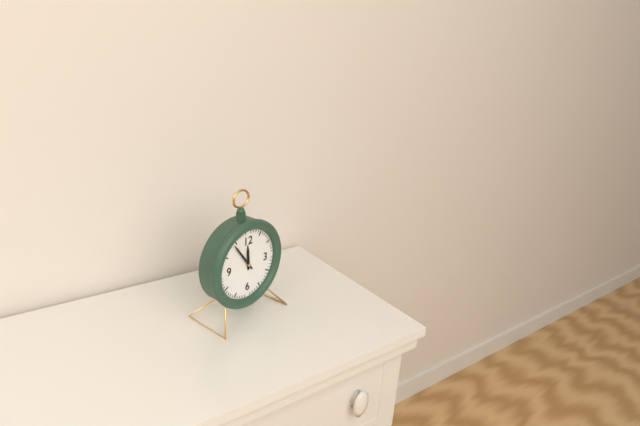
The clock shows 11:54
